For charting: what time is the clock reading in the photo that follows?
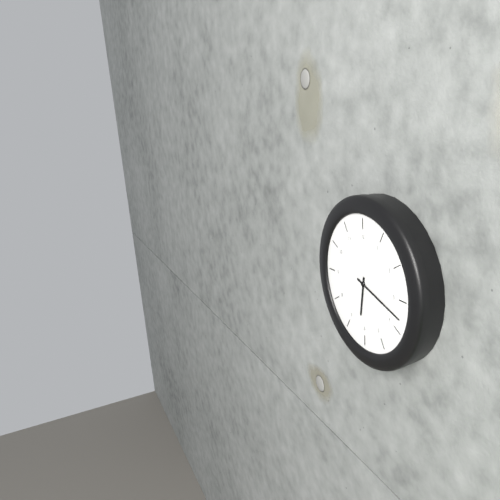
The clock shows 6:18
